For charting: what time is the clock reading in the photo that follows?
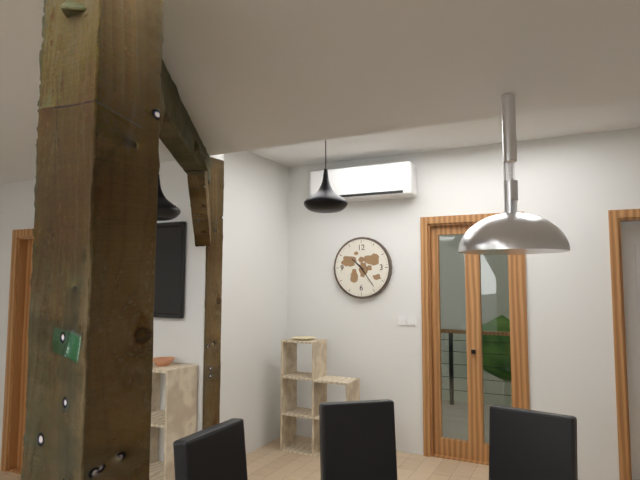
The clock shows 10:24
